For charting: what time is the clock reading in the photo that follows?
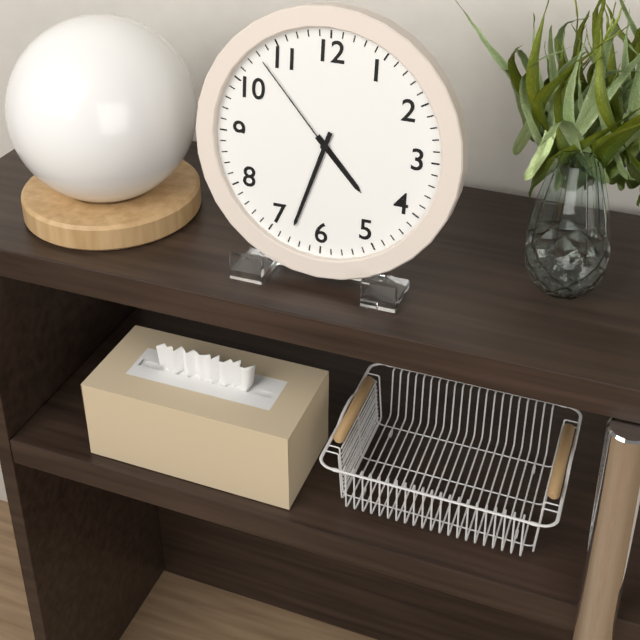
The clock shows 4:33:53
